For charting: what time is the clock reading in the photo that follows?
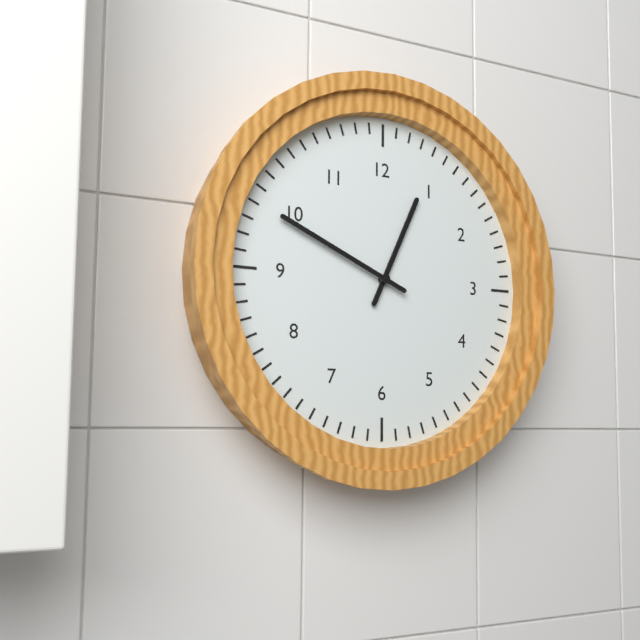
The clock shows 12:49
